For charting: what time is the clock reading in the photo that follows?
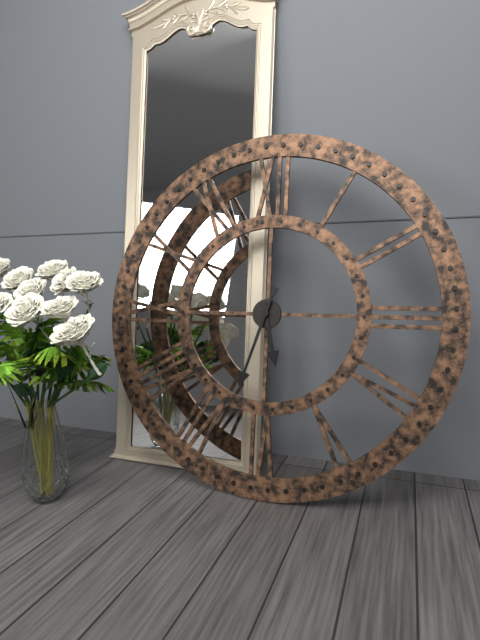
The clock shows 5:33
